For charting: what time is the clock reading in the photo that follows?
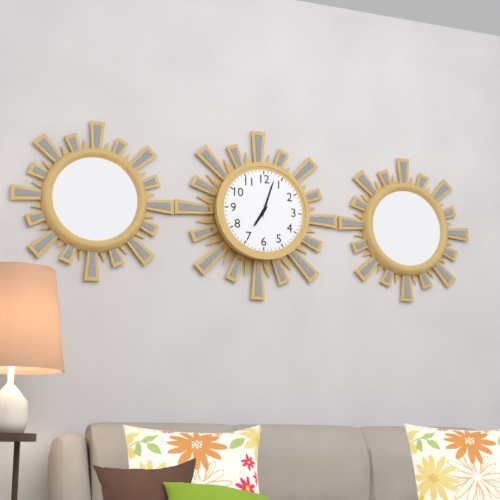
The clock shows 7:03
